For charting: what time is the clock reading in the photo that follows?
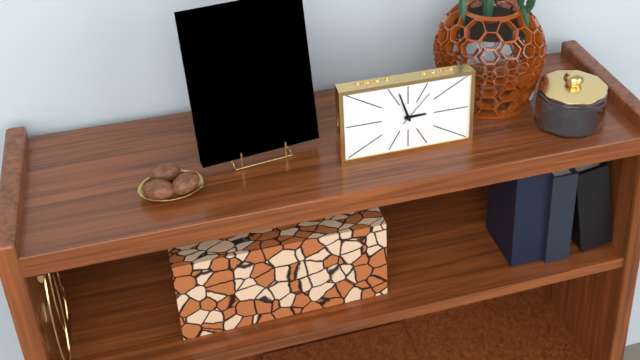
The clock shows 2:57
